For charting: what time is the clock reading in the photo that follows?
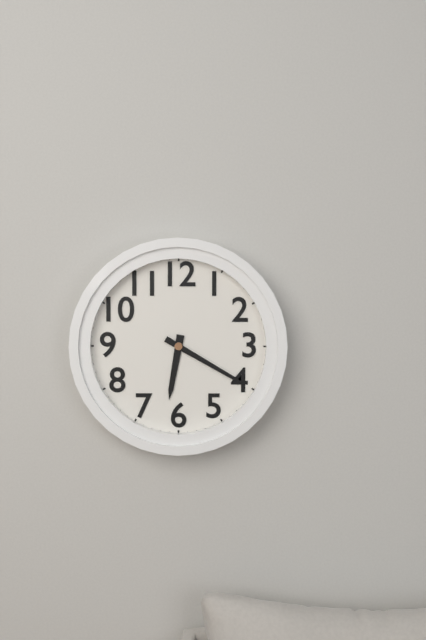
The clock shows 6:20
